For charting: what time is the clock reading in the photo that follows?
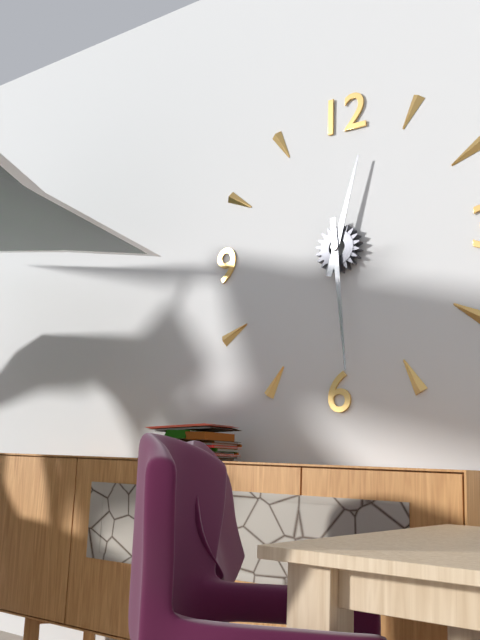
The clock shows 12:29
